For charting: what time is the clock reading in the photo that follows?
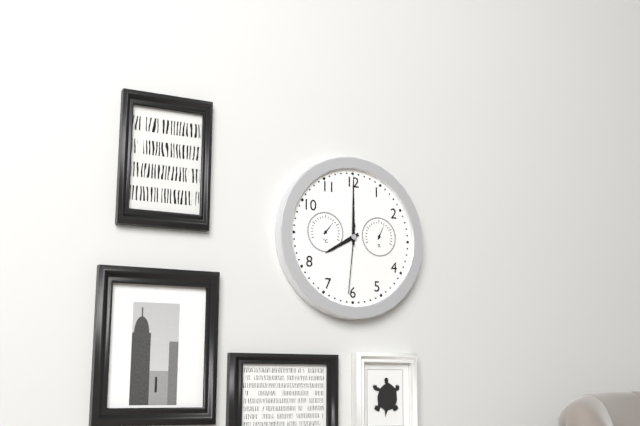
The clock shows 8:00:31
